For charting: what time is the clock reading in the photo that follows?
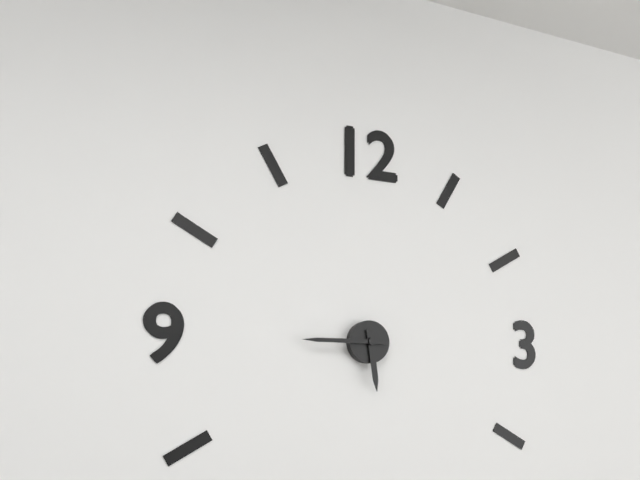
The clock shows 5:45
